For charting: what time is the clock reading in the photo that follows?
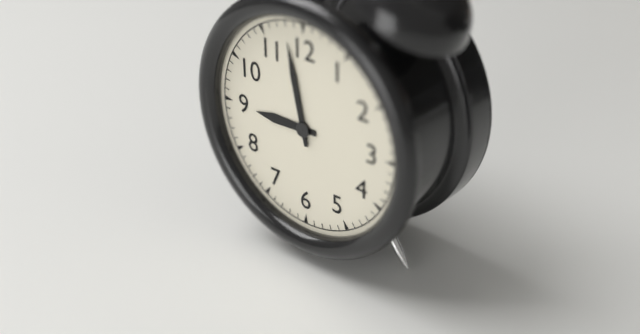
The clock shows 8:58
